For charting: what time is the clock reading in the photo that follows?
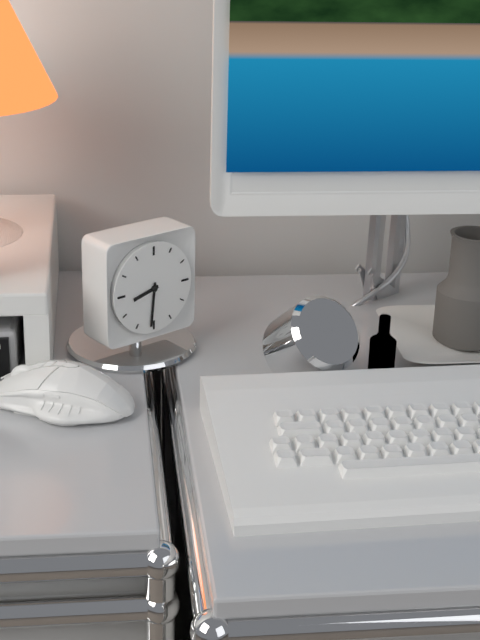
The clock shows 8:31
